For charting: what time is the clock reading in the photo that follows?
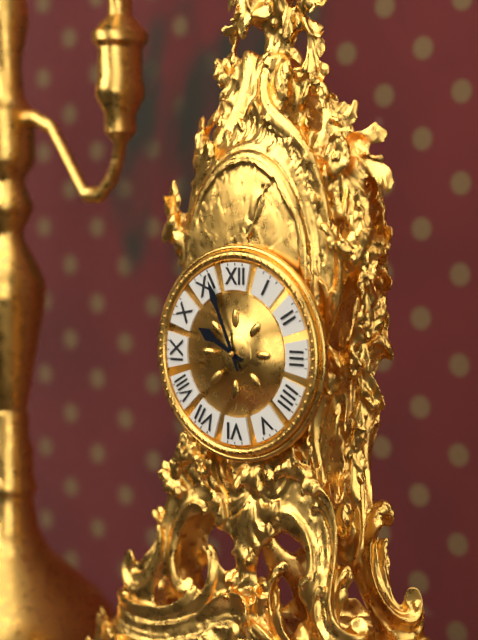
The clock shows 9:56
